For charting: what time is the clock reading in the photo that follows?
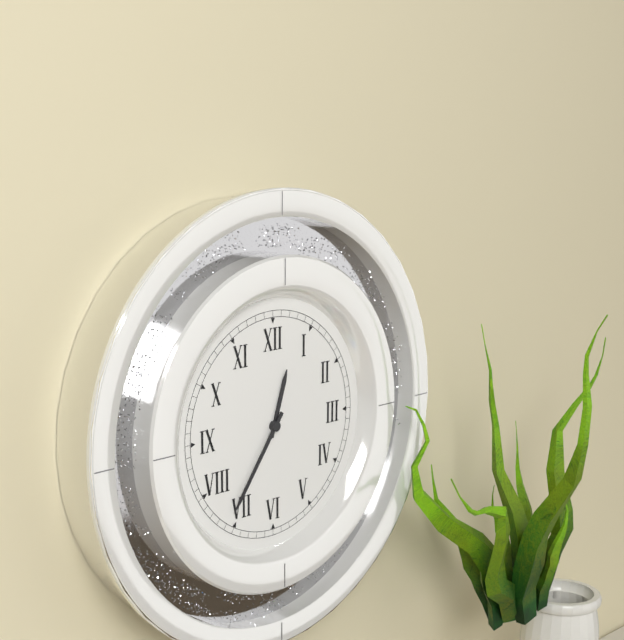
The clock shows 12:36
